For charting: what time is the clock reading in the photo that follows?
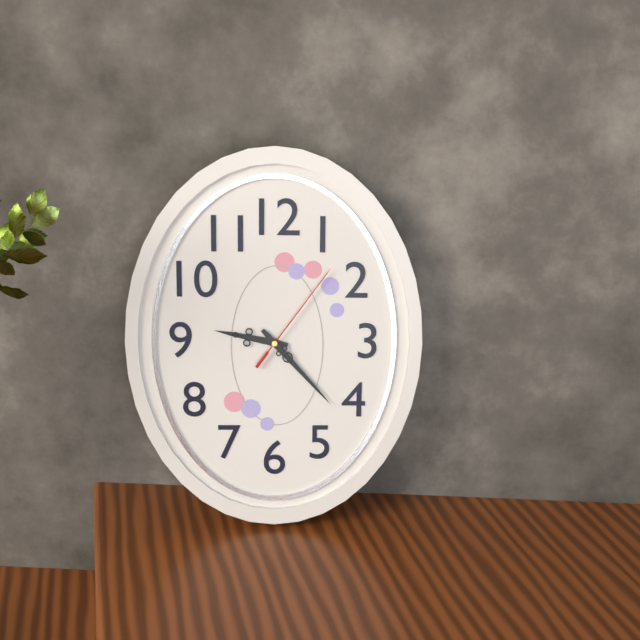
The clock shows 9:23:06
